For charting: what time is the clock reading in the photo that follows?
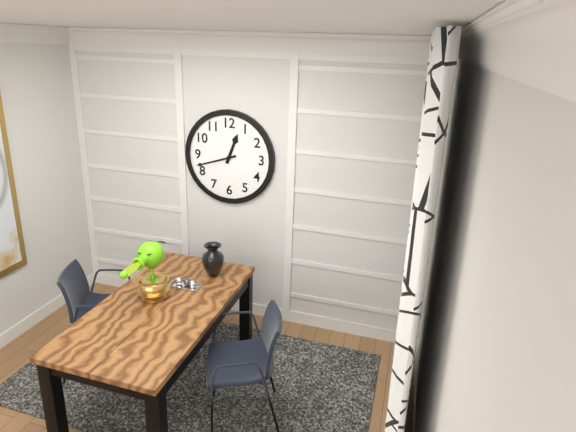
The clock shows 12:42
